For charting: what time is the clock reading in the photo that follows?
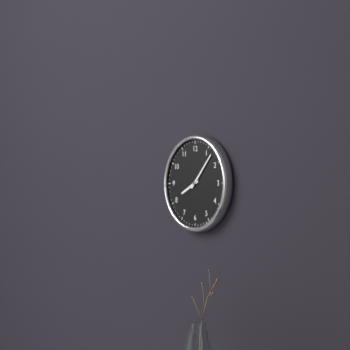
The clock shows 8:07
